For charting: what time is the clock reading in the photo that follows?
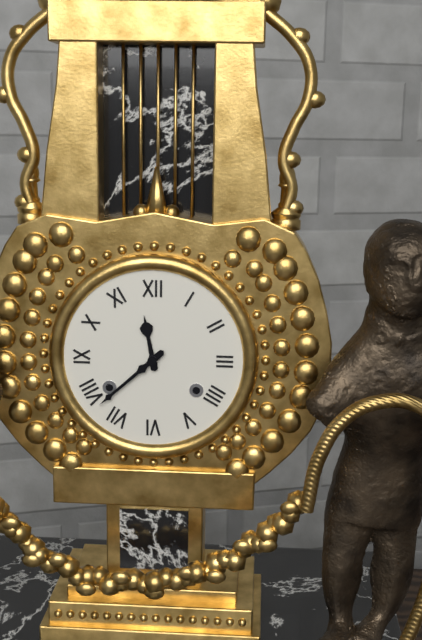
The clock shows 11:38
